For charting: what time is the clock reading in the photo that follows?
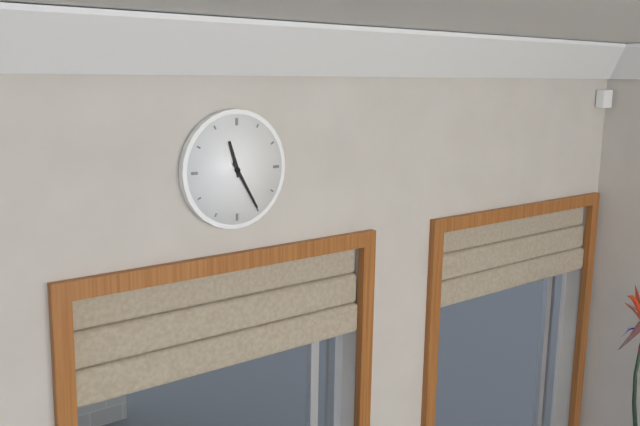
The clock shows 11:25
